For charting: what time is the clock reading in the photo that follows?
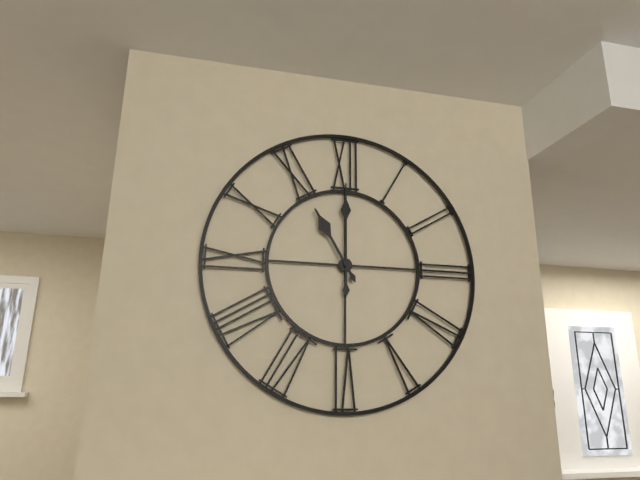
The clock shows 11:00
